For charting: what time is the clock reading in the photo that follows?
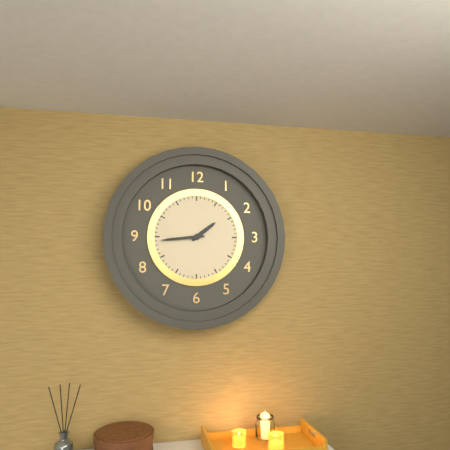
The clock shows 1:44
